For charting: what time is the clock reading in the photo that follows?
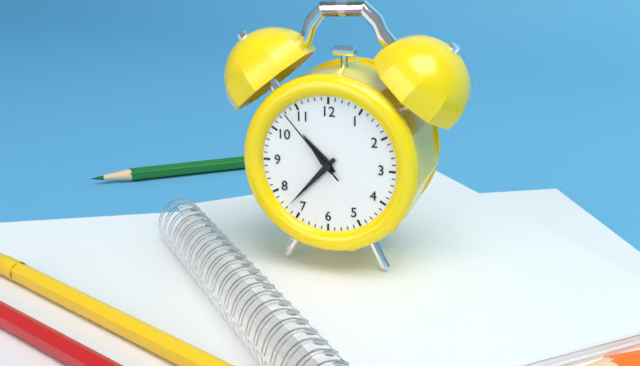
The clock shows 10:37:53
